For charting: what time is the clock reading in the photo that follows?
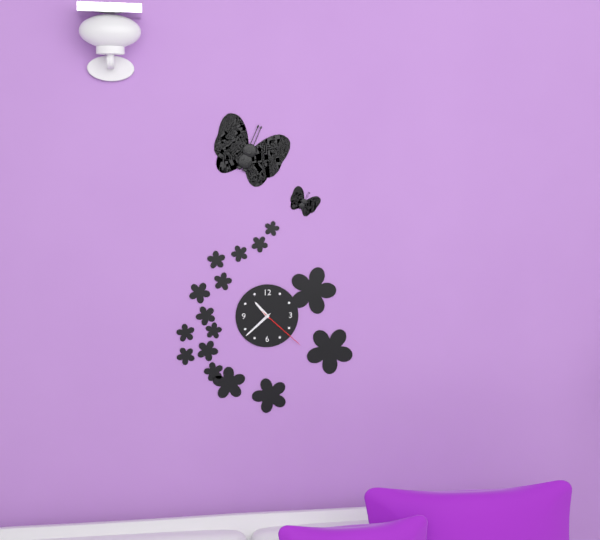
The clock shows 10:38:22
